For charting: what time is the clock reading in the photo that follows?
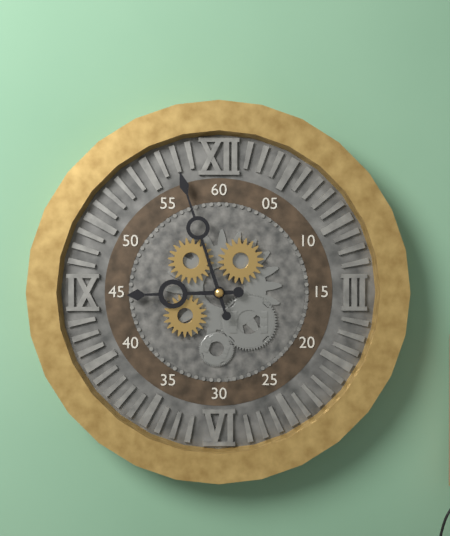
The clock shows 8:57
